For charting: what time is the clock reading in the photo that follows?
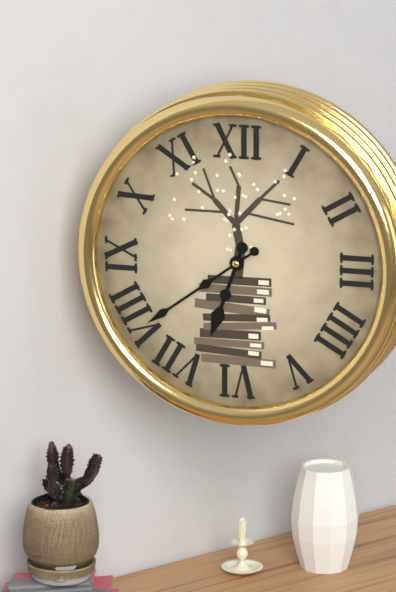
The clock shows 6:39
